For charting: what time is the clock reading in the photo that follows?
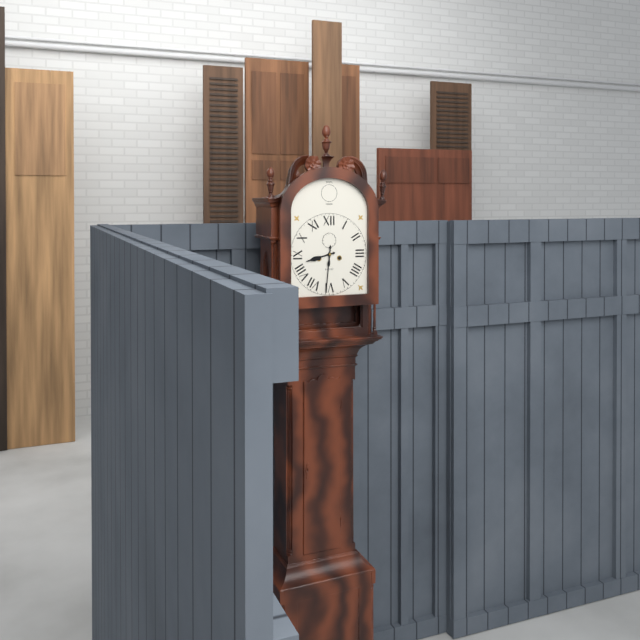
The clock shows 8:31
